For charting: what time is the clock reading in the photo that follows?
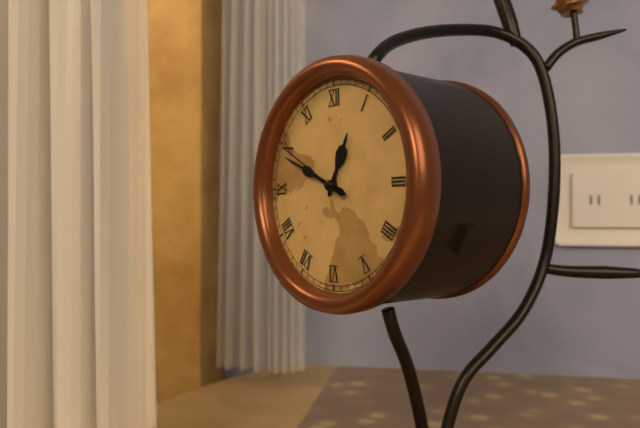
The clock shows 12:49:50
